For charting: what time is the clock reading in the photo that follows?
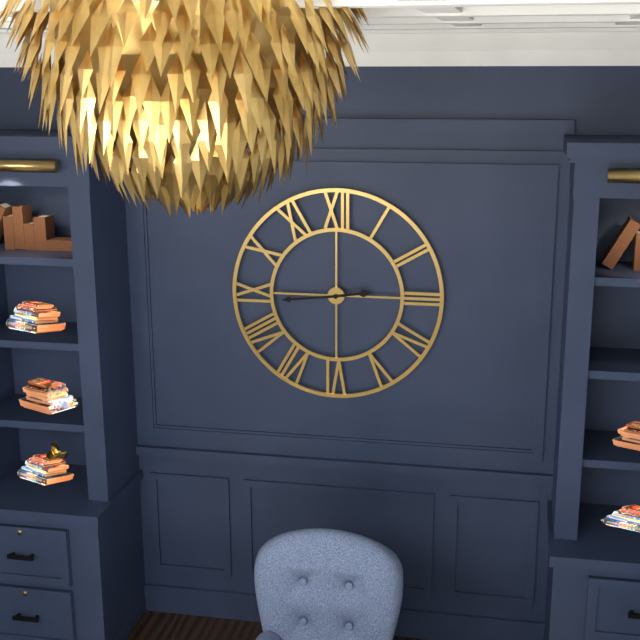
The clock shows 2:44
